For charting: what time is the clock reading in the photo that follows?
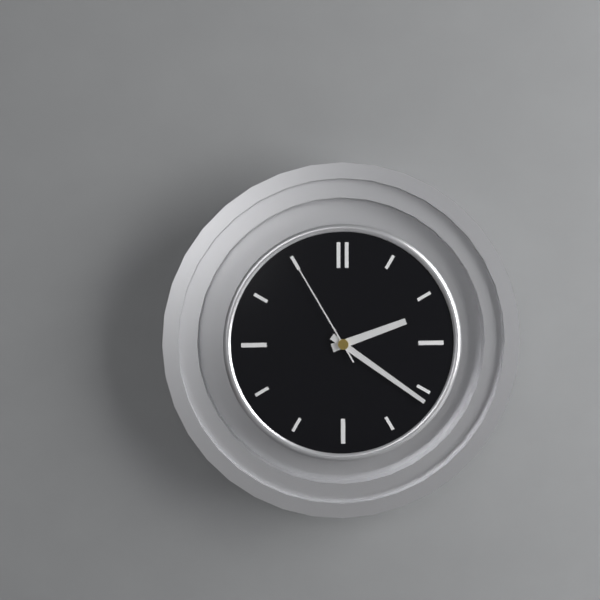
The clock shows 2:21:55
